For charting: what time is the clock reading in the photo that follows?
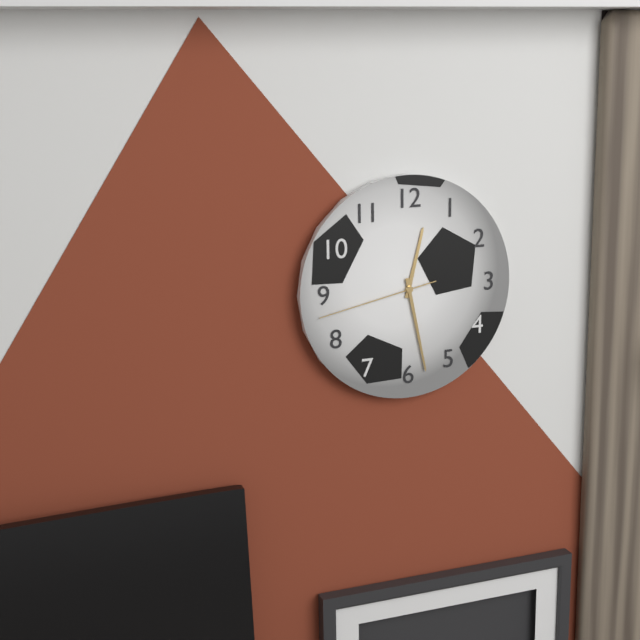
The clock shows 12:28:43
